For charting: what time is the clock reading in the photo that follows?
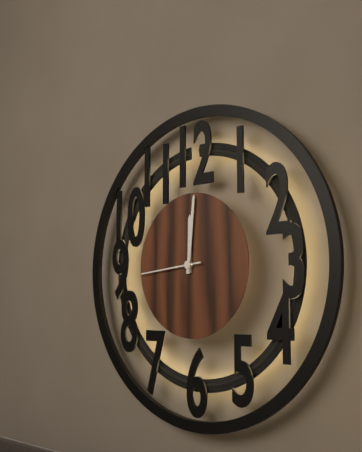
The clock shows 12:01:44
